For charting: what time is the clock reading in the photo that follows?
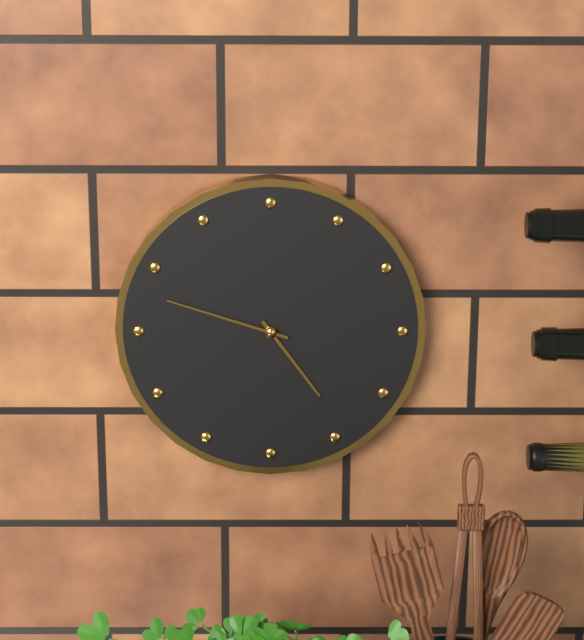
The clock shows 4:48
